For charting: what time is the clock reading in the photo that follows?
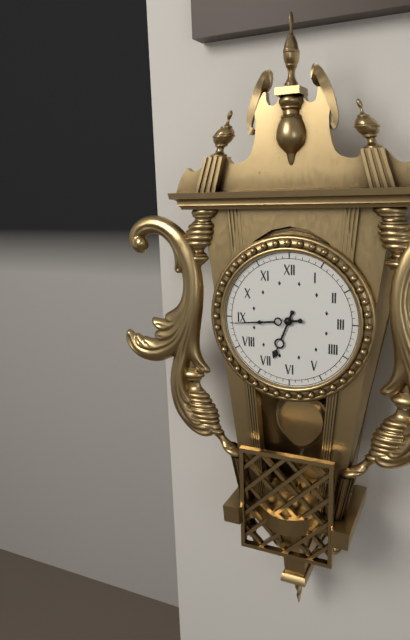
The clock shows 6:44
